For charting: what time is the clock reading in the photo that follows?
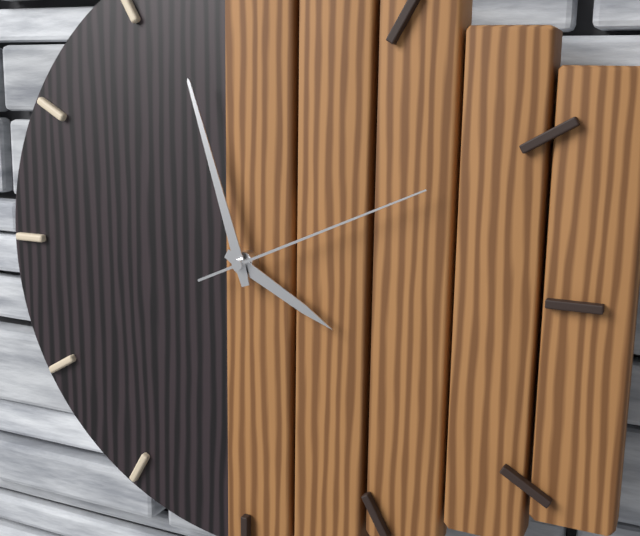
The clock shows 3:57:11
